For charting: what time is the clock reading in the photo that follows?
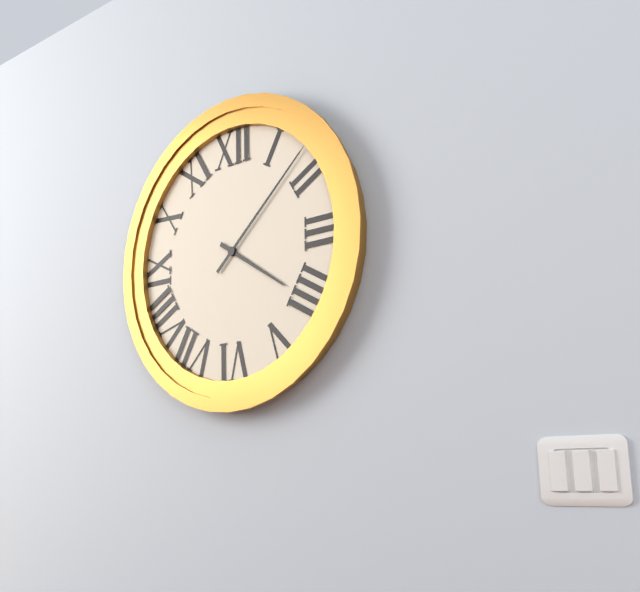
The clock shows 4:08
